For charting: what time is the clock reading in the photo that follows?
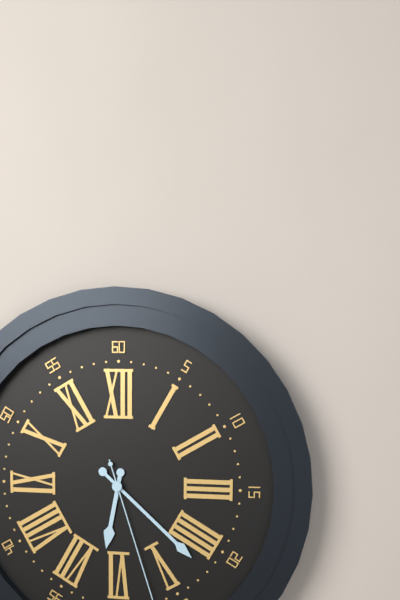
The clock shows 6:22
